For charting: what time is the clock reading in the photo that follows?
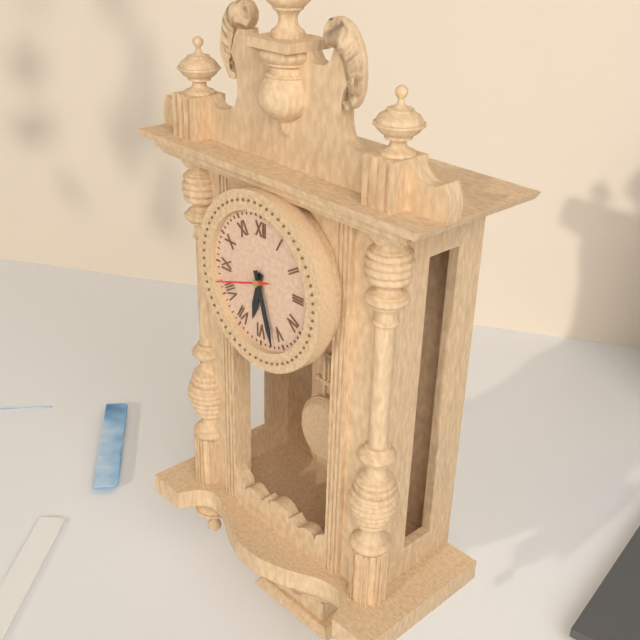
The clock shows 6:27:42
